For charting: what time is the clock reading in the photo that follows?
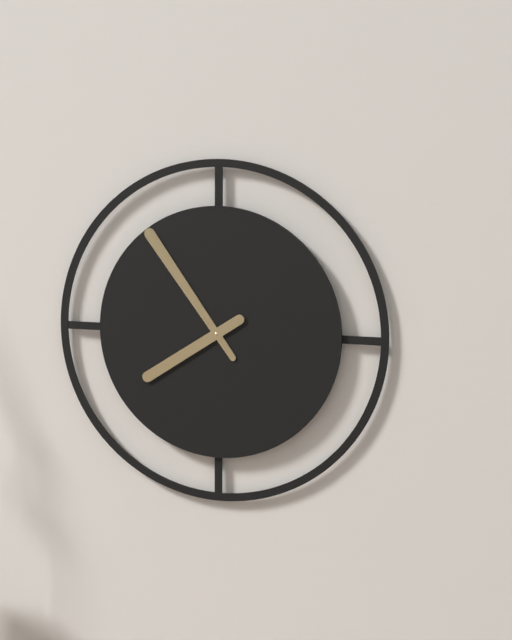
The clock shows 7:54
